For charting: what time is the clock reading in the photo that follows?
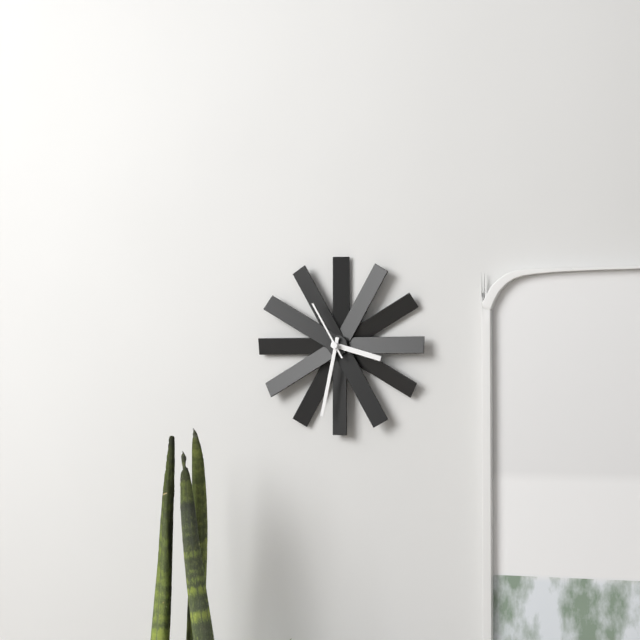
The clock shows 3:32:55
